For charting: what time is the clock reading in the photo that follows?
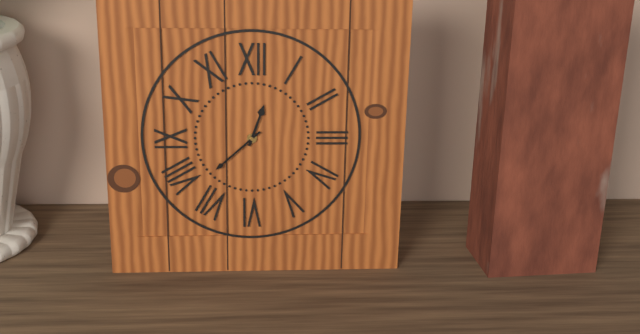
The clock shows 12:38
